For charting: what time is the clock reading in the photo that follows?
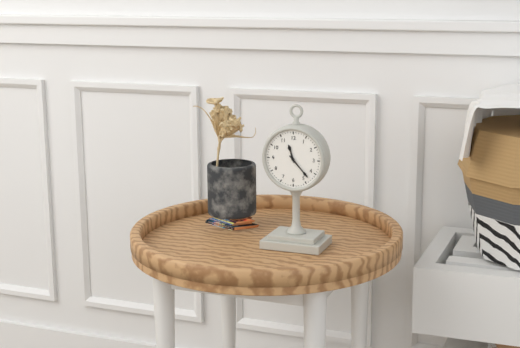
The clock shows 11:23
